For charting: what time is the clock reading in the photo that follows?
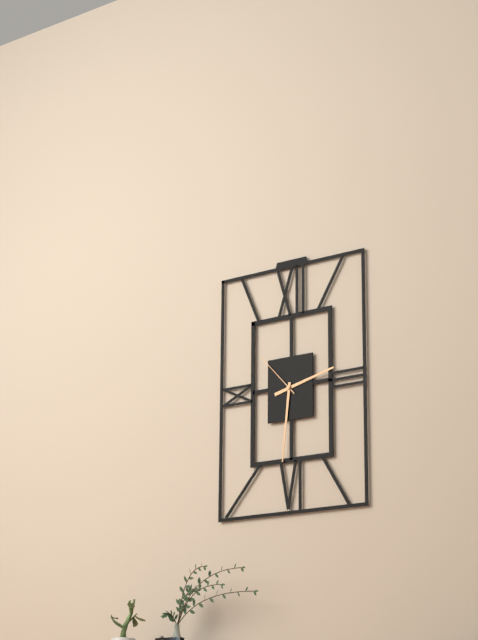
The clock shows 2:31:53
